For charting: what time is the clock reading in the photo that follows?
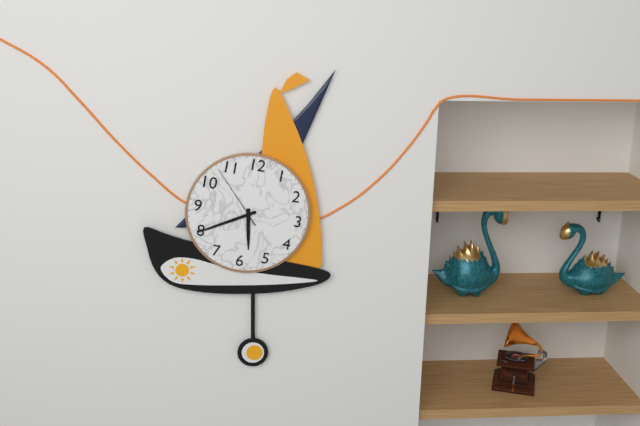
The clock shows 5:40:53
